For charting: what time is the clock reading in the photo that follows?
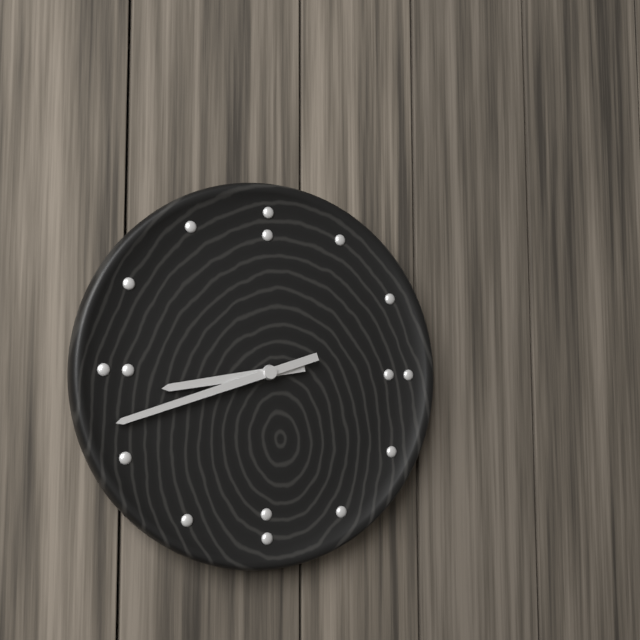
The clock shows 8:42
